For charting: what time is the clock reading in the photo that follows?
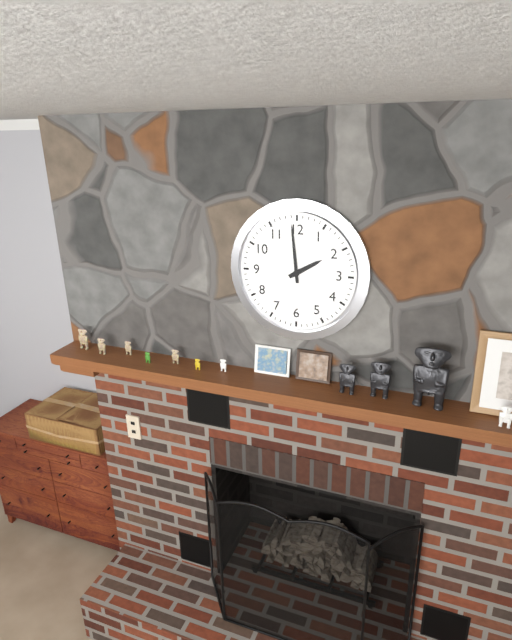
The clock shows 1:59
